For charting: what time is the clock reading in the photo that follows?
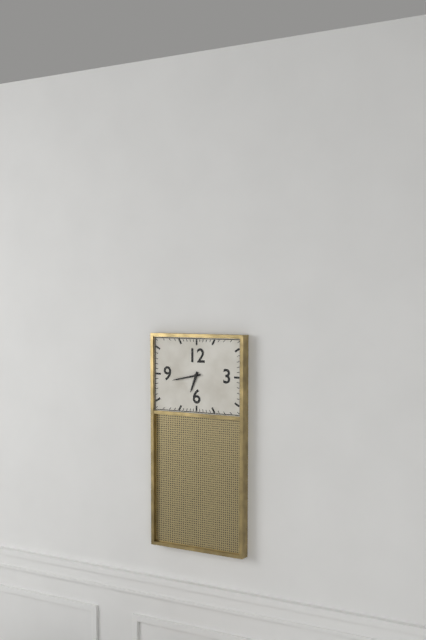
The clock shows 6:43
